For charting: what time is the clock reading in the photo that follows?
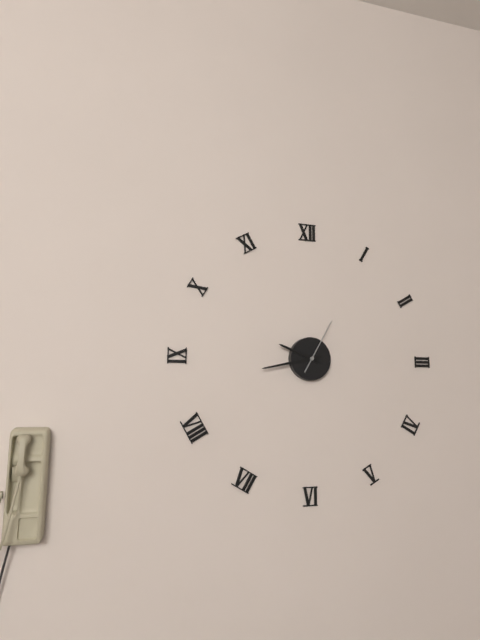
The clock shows 9:43:05
